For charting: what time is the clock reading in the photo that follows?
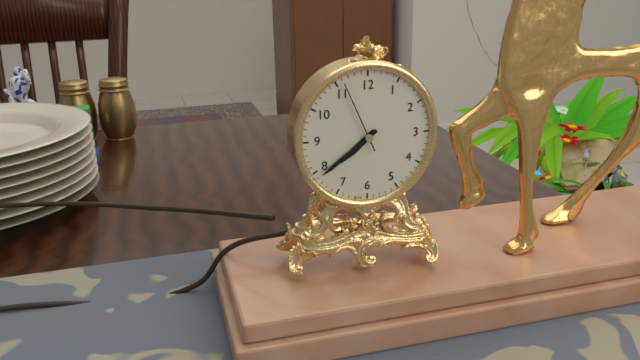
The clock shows 7:39:56
